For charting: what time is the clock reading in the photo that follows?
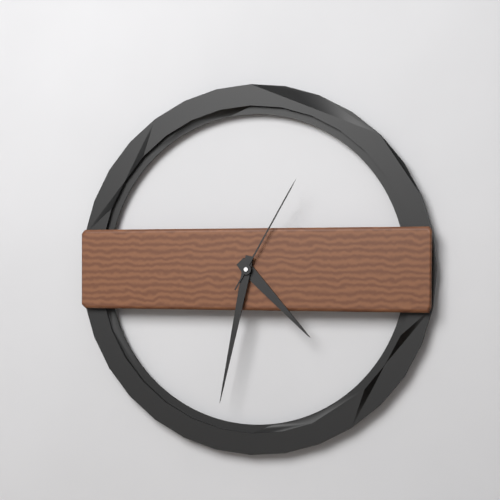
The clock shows 4:32:05
